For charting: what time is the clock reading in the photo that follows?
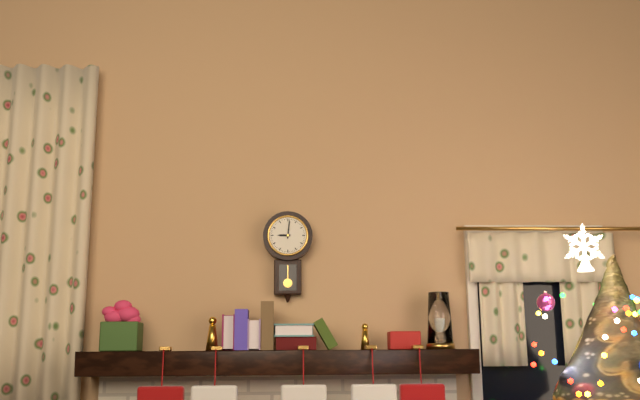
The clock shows 9:01
